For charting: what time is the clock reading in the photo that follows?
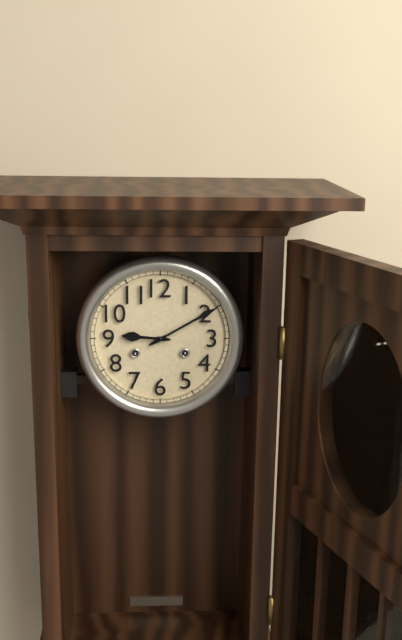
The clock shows 9:10
